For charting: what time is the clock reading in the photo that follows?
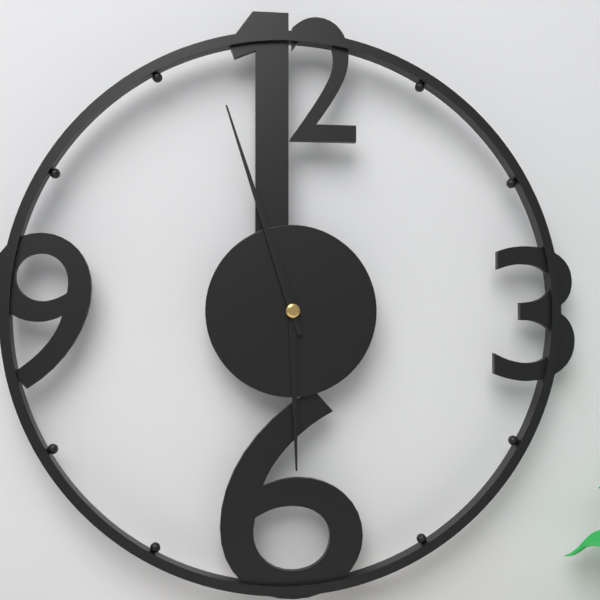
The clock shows 5:57
